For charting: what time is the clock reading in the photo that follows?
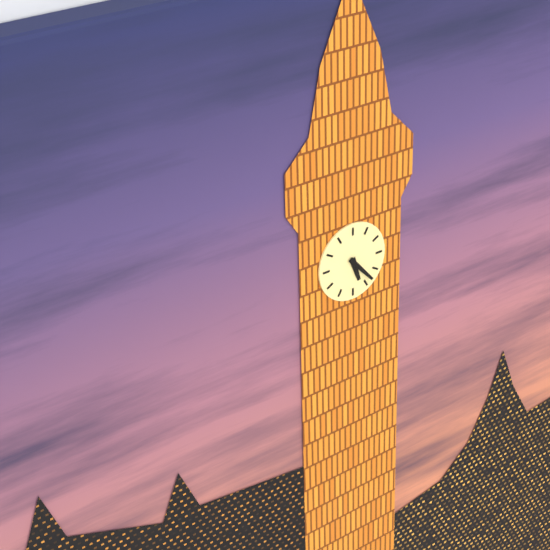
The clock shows 5:23
